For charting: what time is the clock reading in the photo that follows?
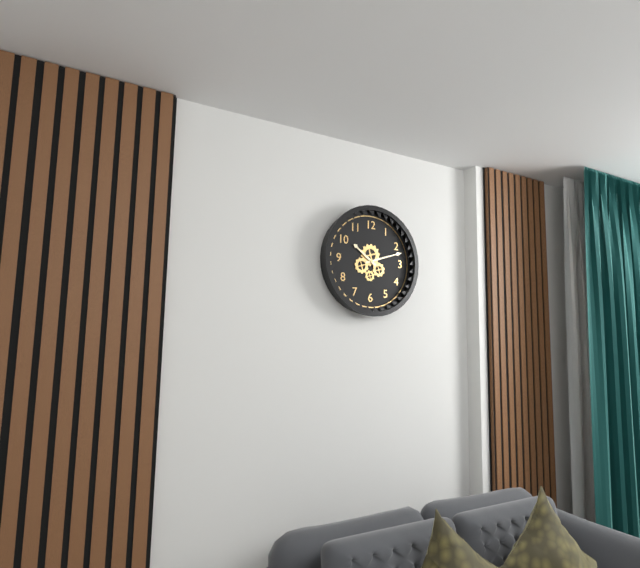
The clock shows 10:12
